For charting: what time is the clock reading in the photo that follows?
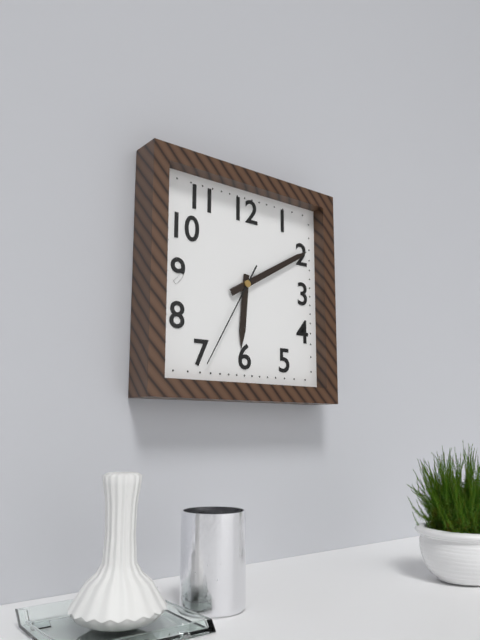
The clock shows 6:10:35
